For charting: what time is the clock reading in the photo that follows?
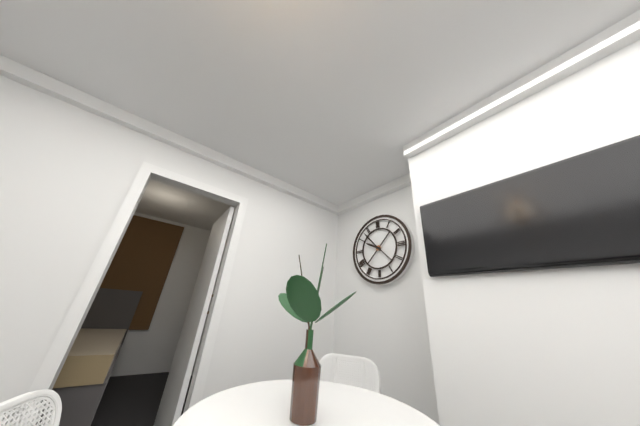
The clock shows 9:53
